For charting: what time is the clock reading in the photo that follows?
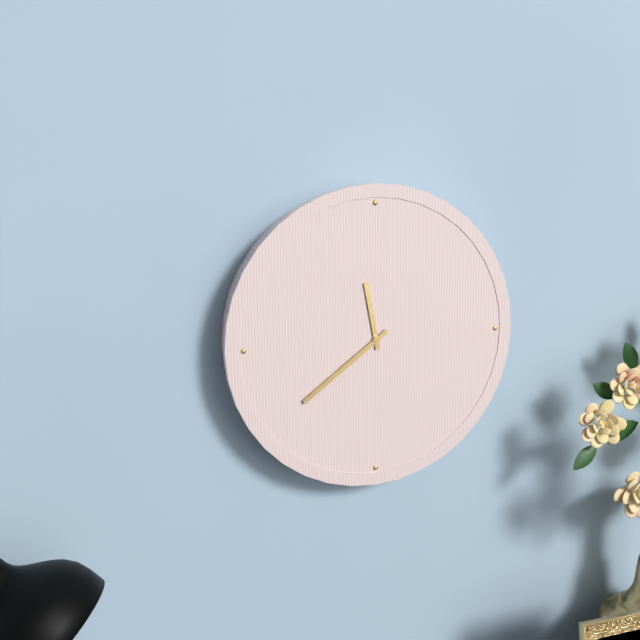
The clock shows 11:39
